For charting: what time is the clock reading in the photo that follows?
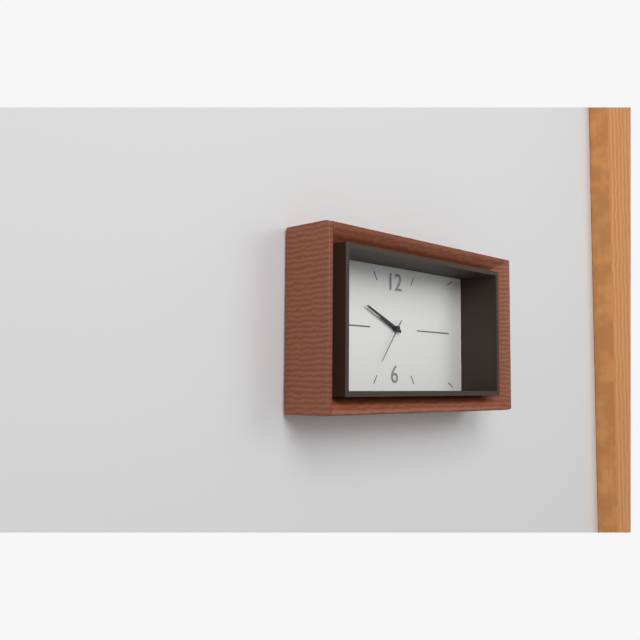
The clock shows 9:49
